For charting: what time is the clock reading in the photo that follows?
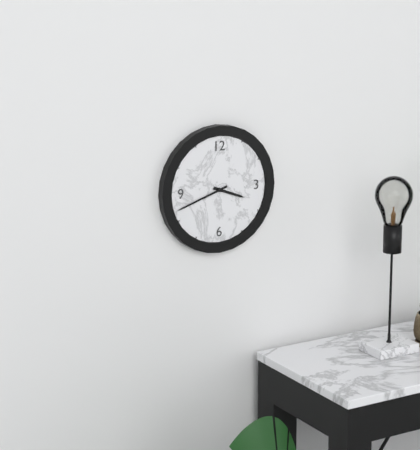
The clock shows 3:42
